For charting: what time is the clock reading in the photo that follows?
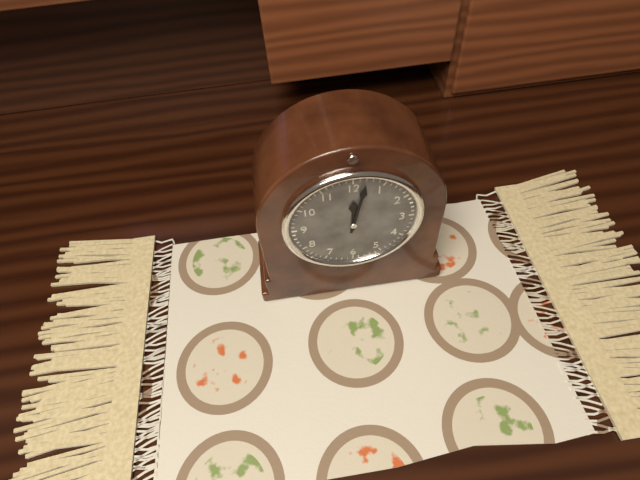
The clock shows 12:02
